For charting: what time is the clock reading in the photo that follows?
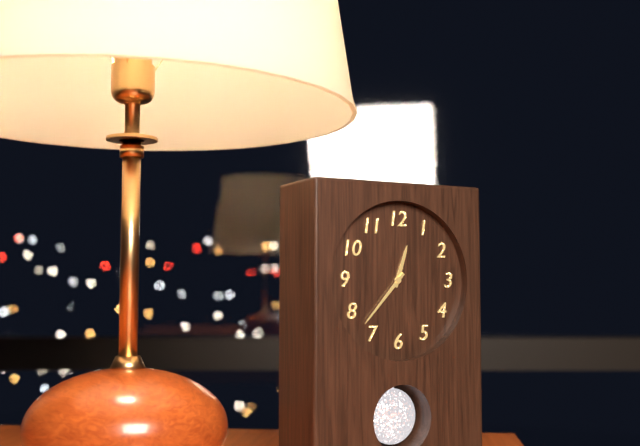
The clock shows 12:37
